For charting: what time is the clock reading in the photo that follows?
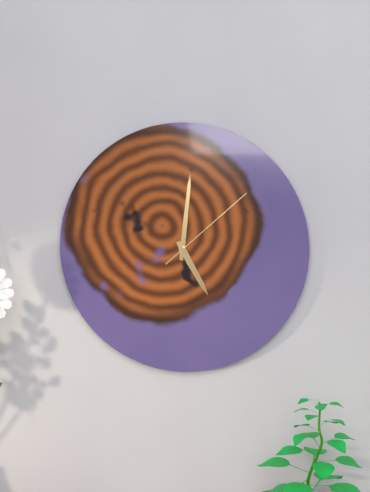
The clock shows 5:01:08
